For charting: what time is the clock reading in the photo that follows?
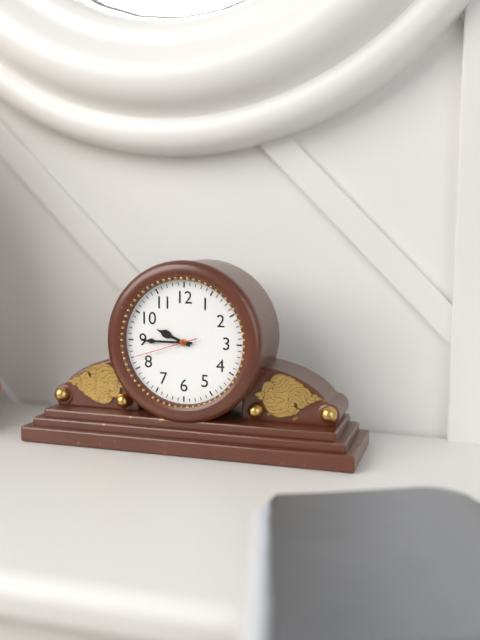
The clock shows 9:45:42
